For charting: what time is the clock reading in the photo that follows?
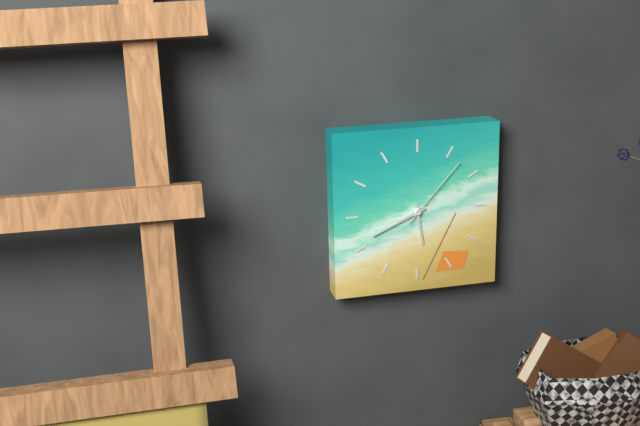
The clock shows 5:41:07
